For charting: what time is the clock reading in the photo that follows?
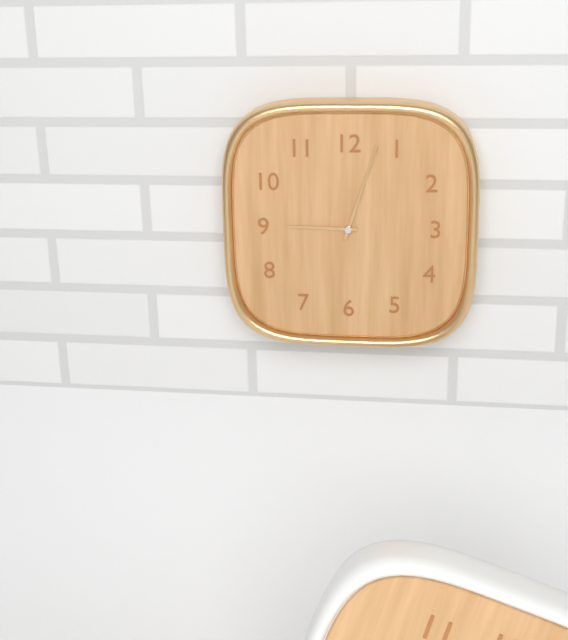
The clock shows 9:03
